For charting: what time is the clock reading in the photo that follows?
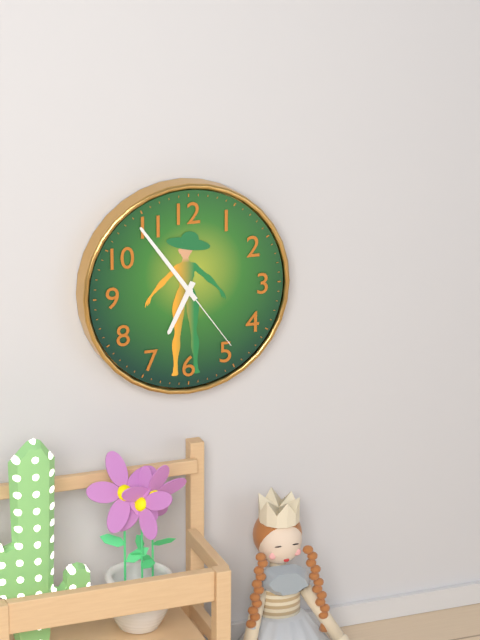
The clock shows 6:54:24
